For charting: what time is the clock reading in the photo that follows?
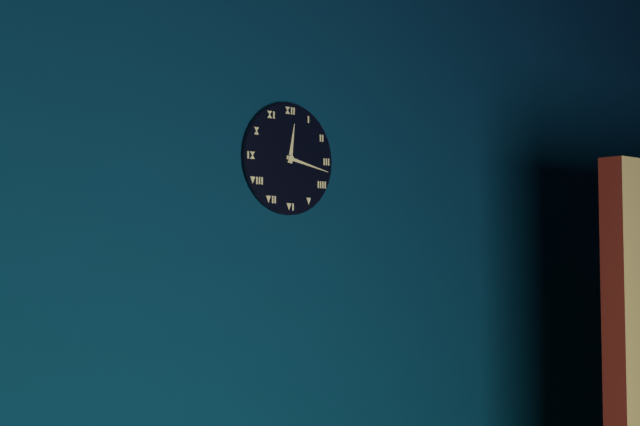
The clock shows 12:17
